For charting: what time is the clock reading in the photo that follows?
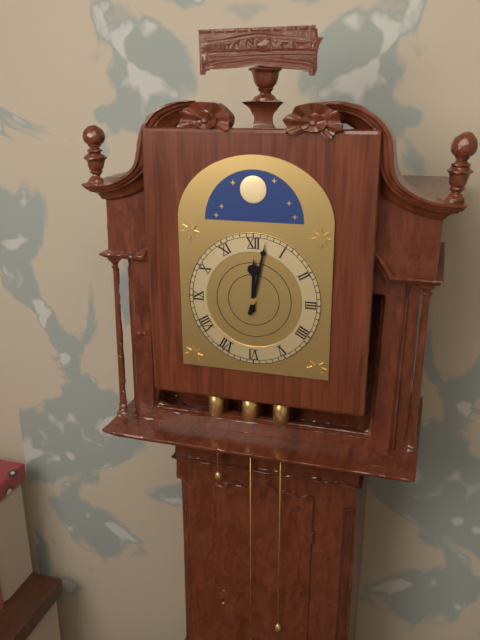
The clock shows 12:02
